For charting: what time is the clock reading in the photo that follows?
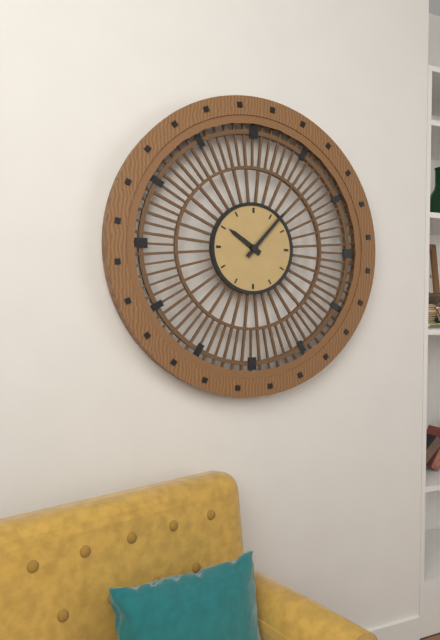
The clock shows 10:07
